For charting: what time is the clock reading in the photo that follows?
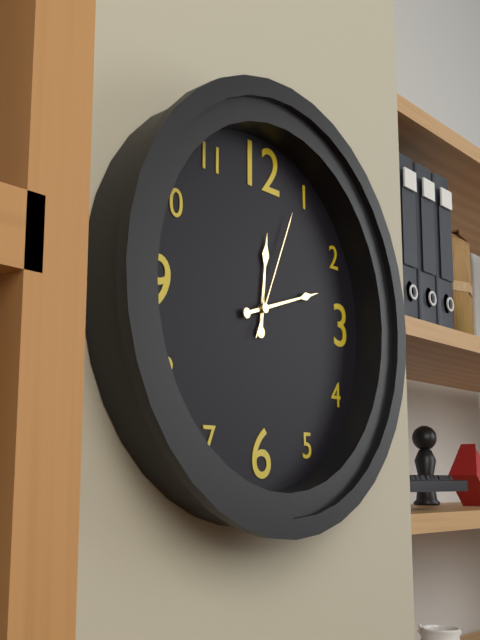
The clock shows 12:12:04
